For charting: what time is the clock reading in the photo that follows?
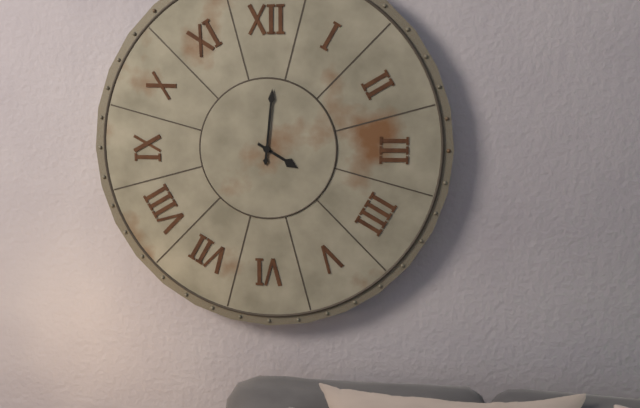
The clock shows 4:01
